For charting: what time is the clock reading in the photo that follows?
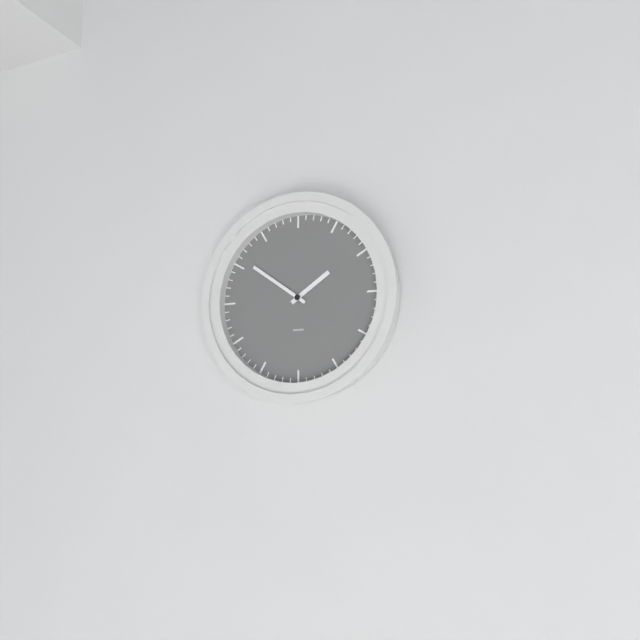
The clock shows 1:51
